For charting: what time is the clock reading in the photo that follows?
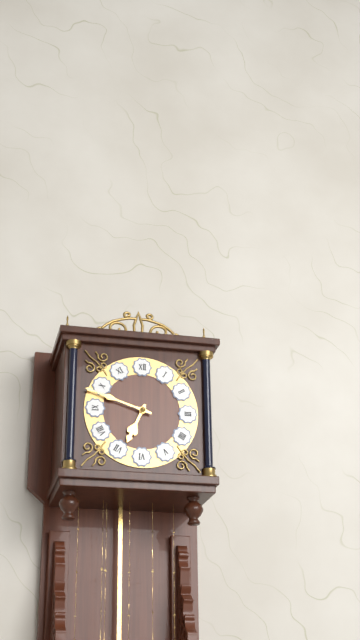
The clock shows 6:48
